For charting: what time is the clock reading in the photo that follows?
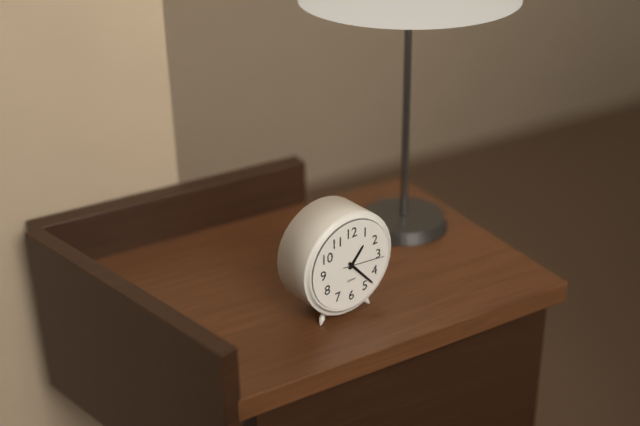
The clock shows 1:23
